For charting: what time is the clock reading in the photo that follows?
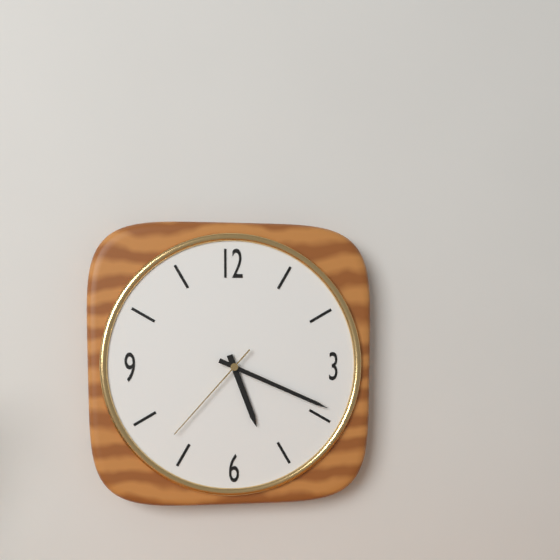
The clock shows 5:19:37
